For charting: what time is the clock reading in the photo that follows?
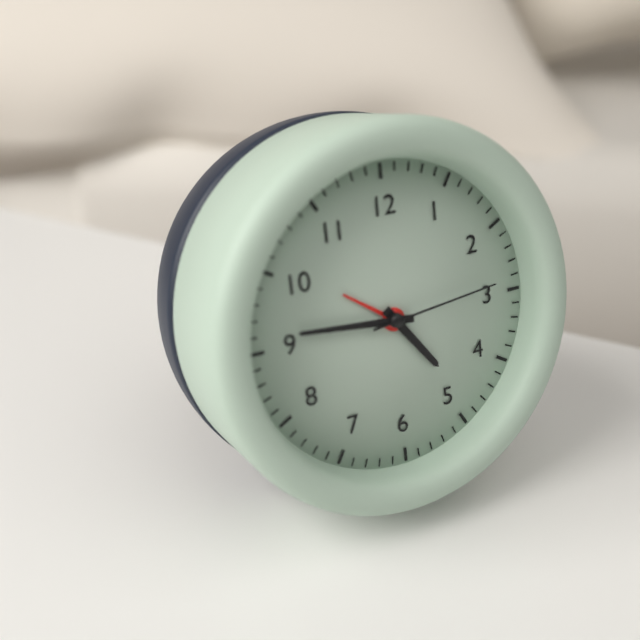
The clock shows 4:46:14
